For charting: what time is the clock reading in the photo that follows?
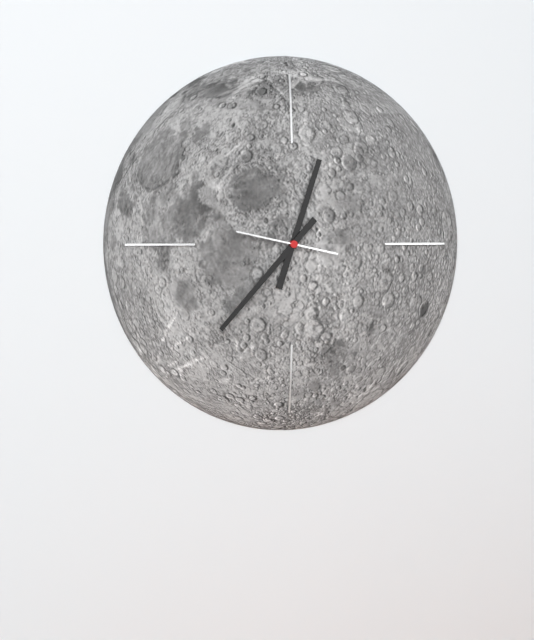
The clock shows 12:37:47
